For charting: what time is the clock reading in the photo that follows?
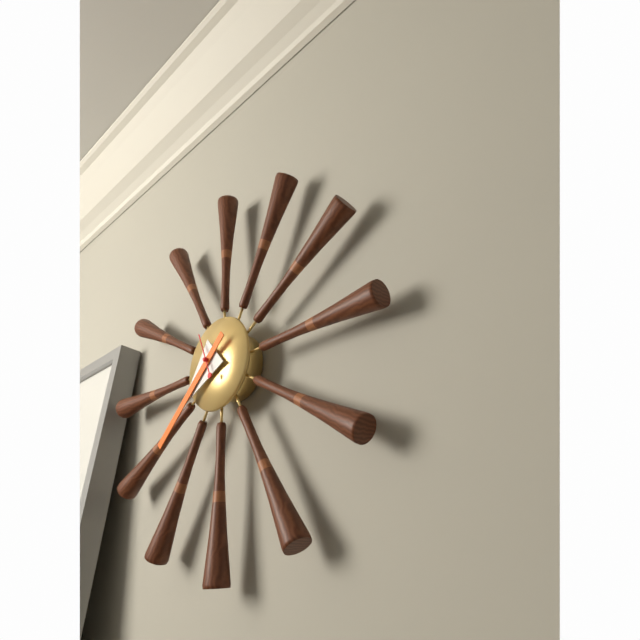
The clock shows 7:38:56
